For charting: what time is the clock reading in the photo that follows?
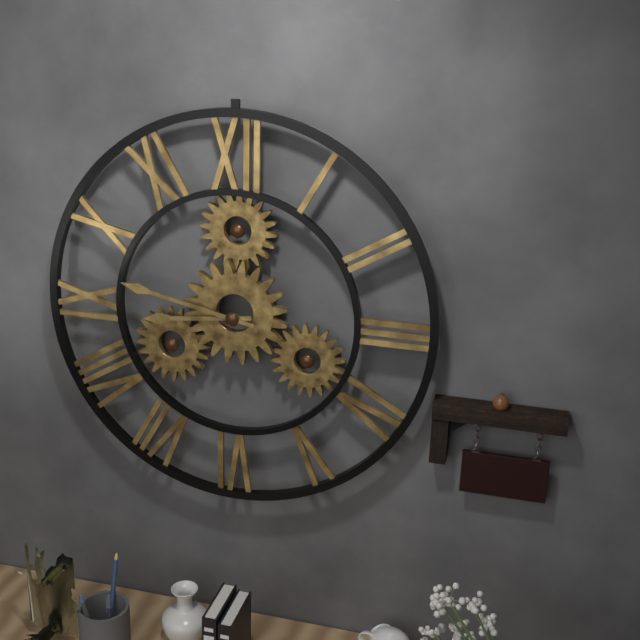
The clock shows 8:47
